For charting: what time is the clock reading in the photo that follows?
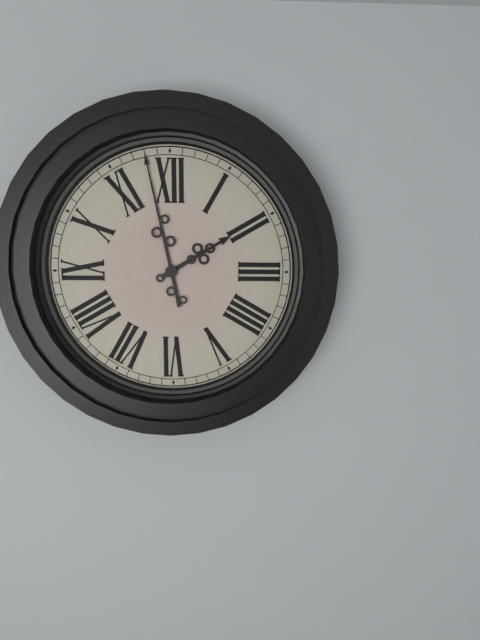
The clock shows 1:58
